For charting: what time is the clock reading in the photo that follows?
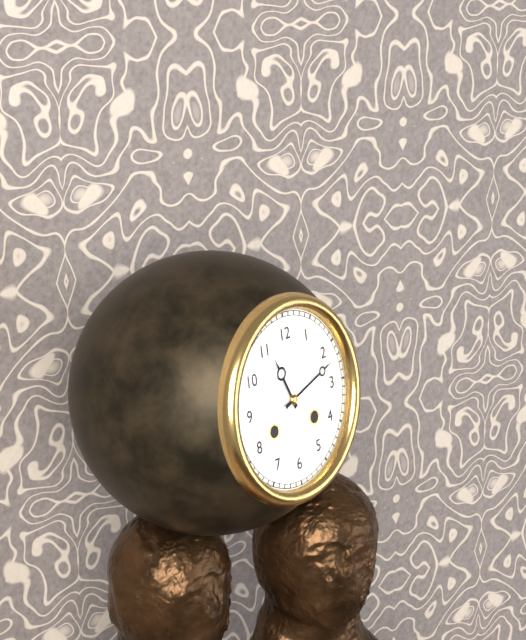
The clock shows 11:12
